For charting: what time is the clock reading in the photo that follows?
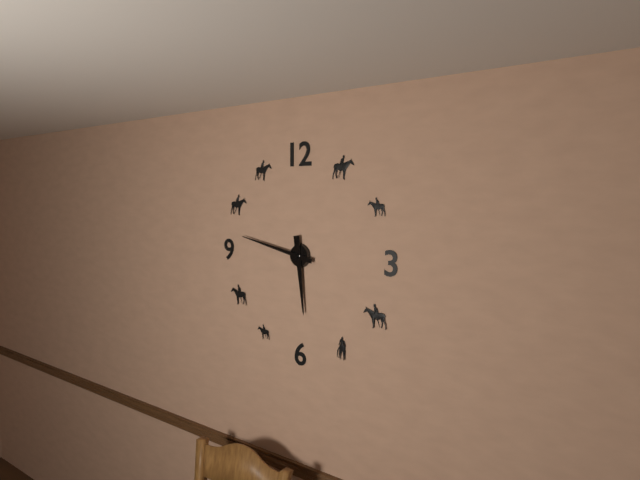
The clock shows 5:47
